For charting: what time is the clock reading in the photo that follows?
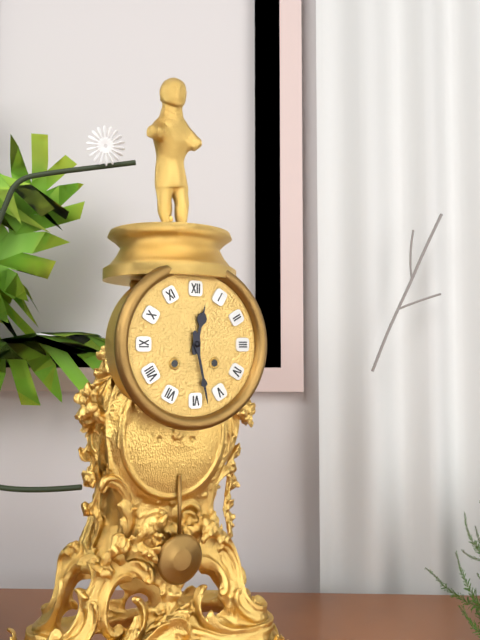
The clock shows 12:28
